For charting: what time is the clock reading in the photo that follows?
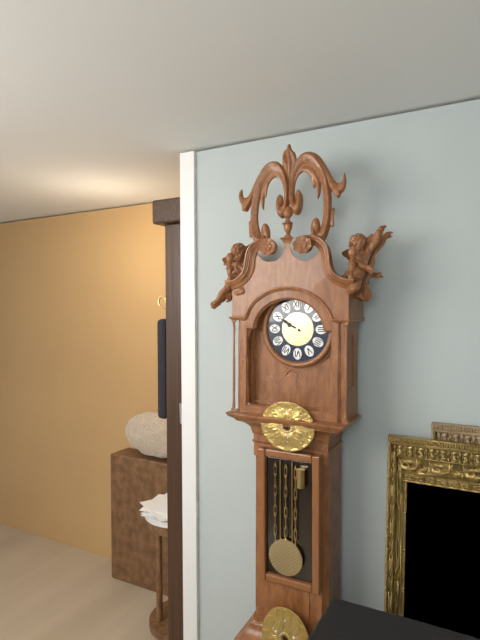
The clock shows 9:50
